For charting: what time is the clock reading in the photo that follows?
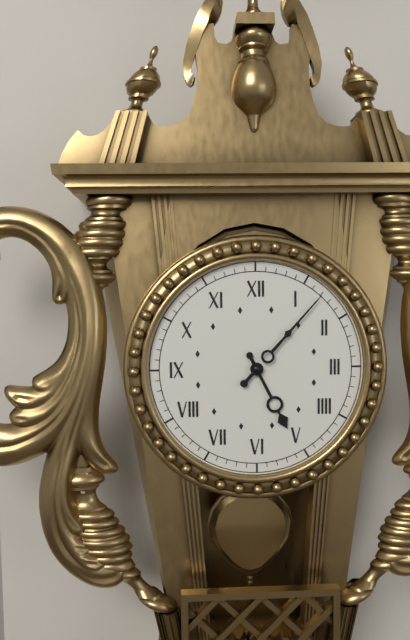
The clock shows 5:07
